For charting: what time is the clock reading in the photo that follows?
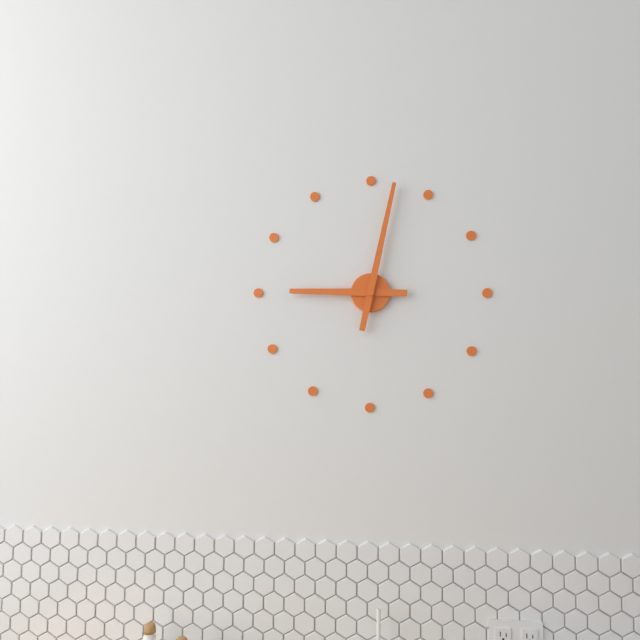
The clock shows 9:02
